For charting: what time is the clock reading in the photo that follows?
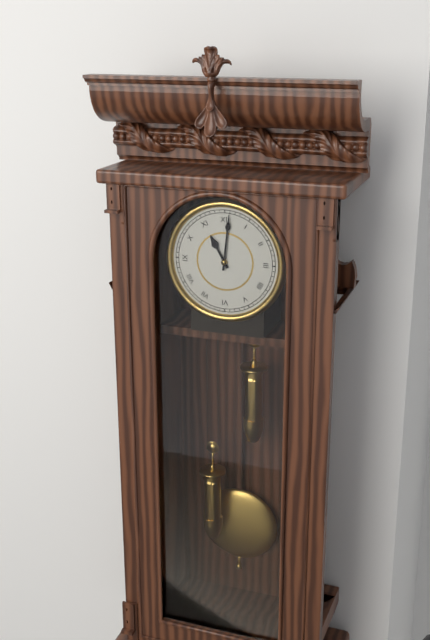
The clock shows 11:01
